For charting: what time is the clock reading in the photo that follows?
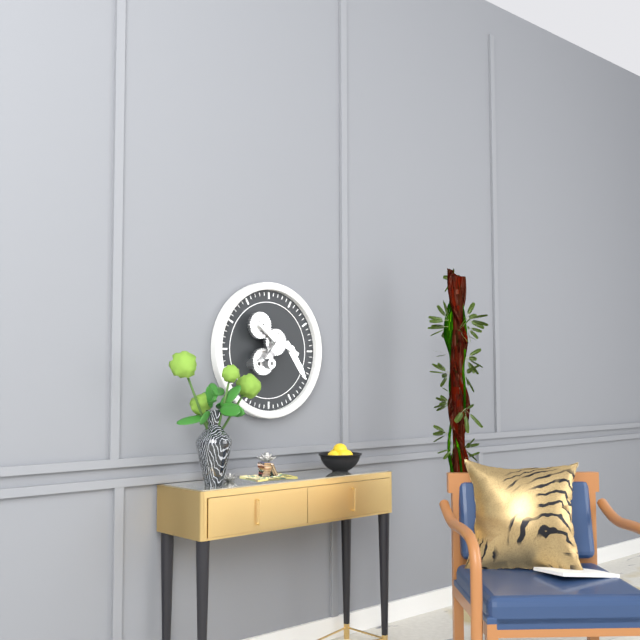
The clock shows 4:50
